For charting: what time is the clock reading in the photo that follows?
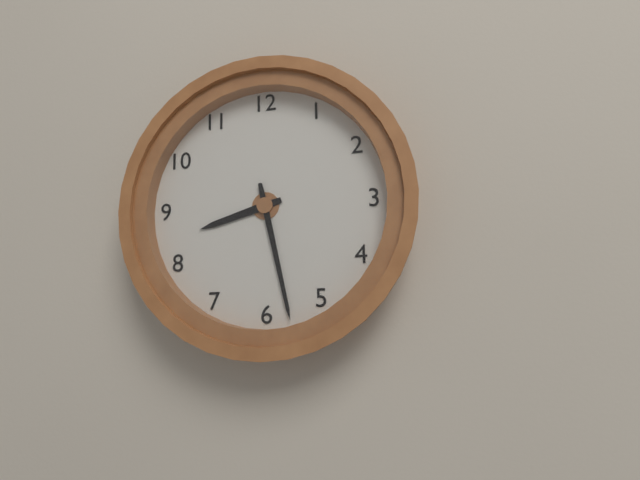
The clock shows 8:28
